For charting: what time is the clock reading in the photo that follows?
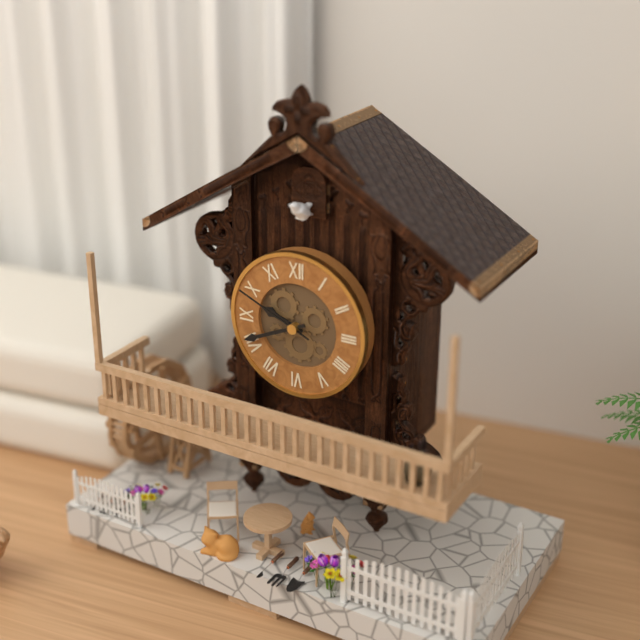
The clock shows 9:41:49
